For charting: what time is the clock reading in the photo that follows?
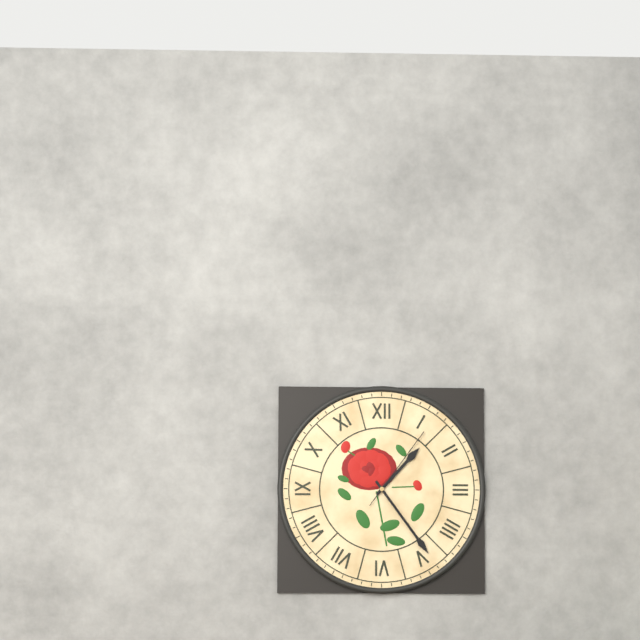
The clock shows 1:24:06
